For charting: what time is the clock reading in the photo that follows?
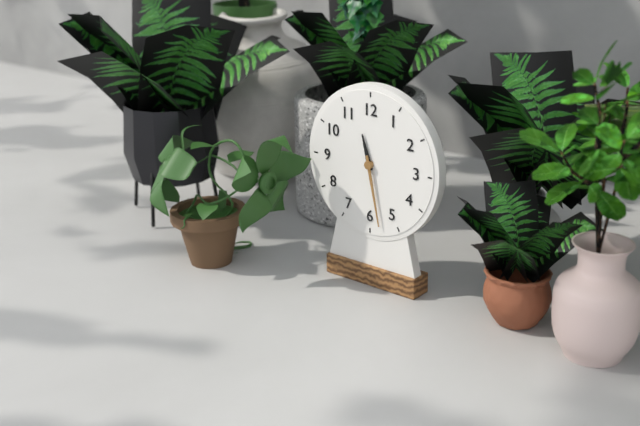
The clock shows 11:28
